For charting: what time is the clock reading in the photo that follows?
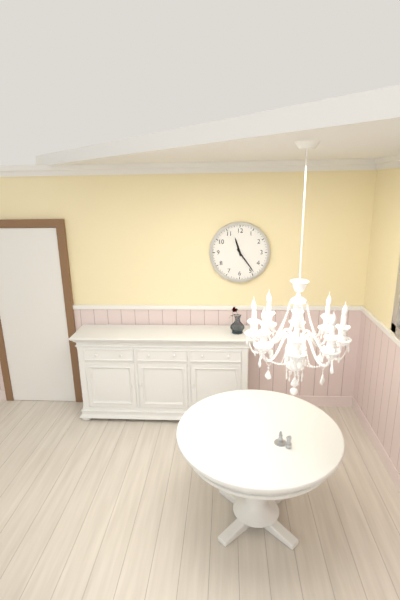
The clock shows 11:24
